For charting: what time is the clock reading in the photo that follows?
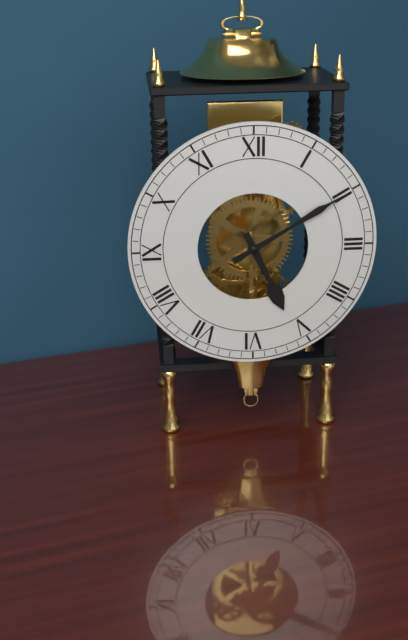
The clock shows 5:10
